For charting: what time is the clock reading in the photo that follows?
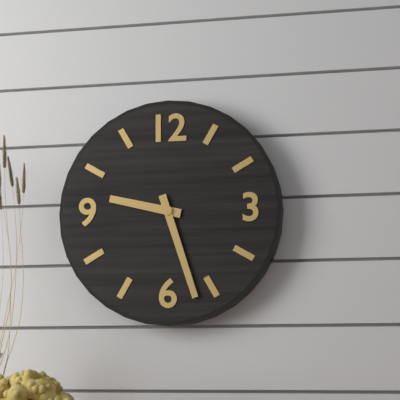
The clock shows 9:27
